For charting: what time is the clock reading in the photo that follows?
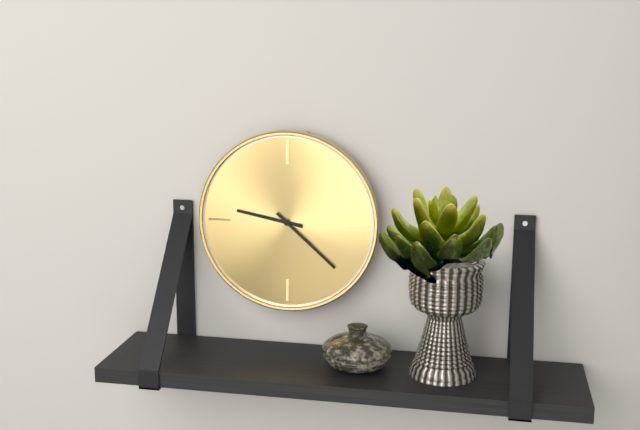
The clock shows 9:22
